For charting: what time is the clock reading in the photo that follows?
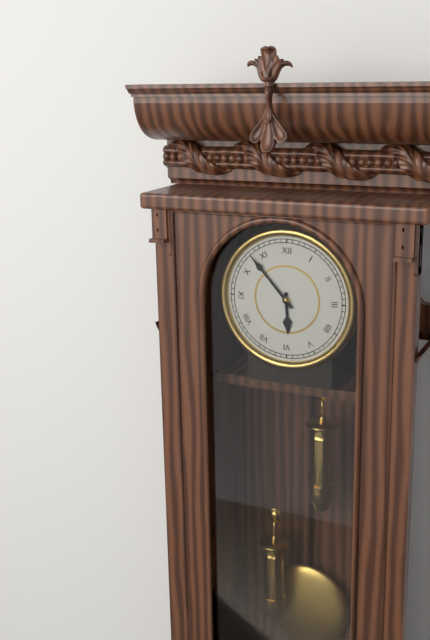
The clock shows 5:53
